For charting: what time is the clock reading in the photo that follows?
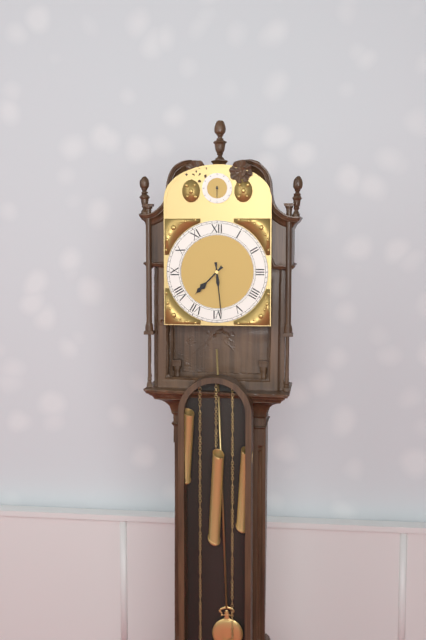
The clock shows 7:29
